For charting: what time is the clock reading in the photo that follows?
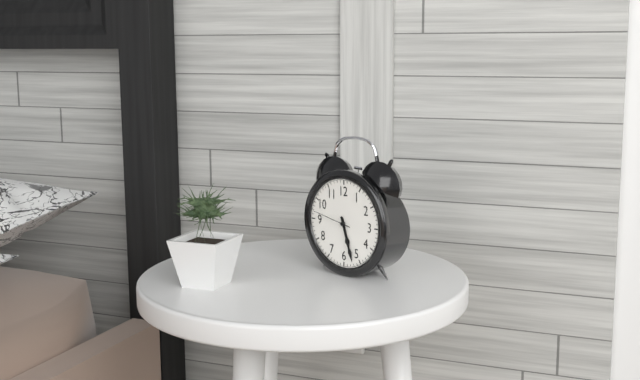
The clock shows 5:27
